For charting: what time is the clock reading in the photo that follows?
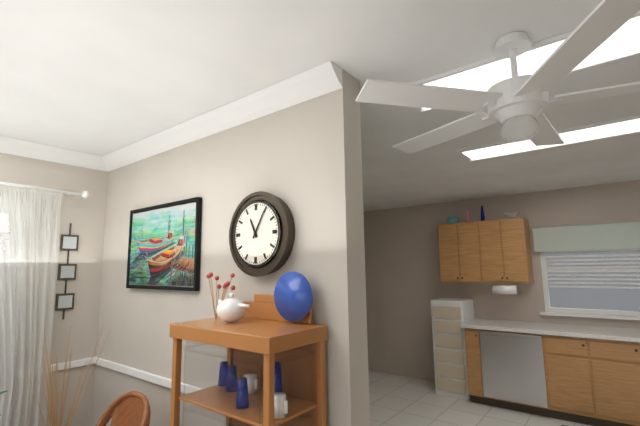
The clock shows 11:05
